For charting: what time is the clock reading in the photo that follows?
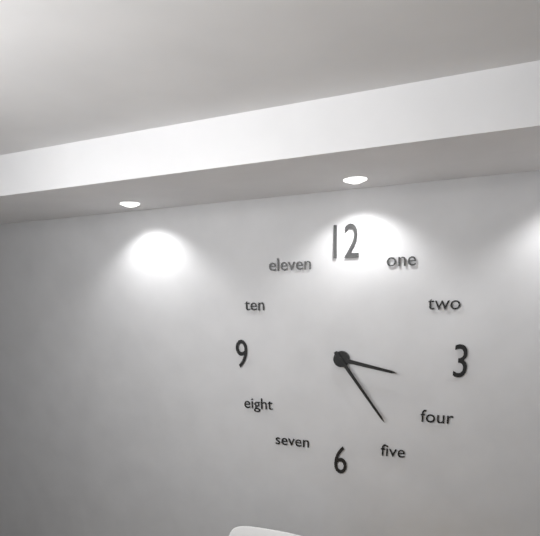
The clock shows 3:24
